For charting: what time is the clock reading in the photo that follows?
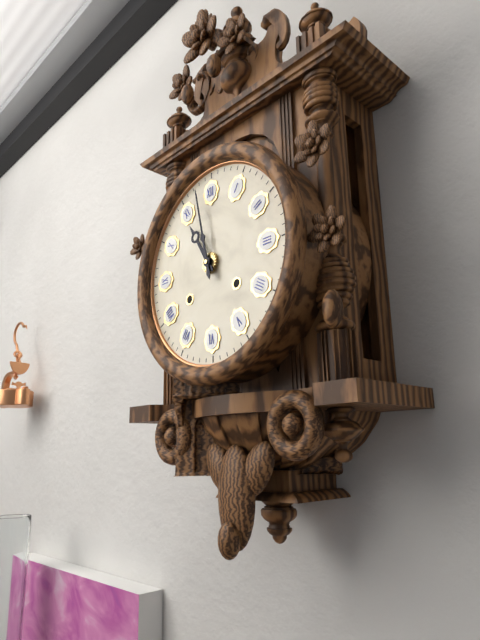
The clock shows 10:58
